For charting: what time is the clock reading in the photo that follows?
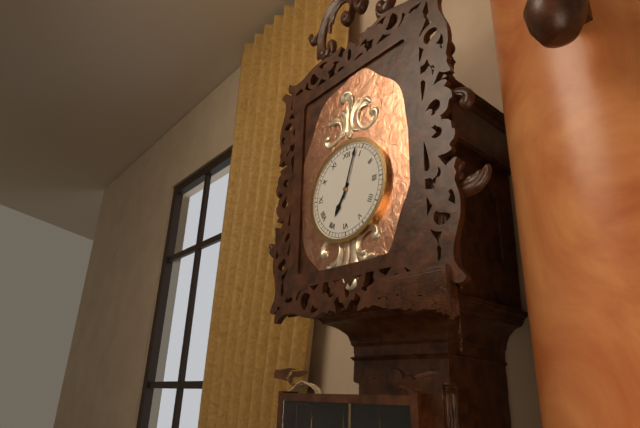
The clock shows 7:03
